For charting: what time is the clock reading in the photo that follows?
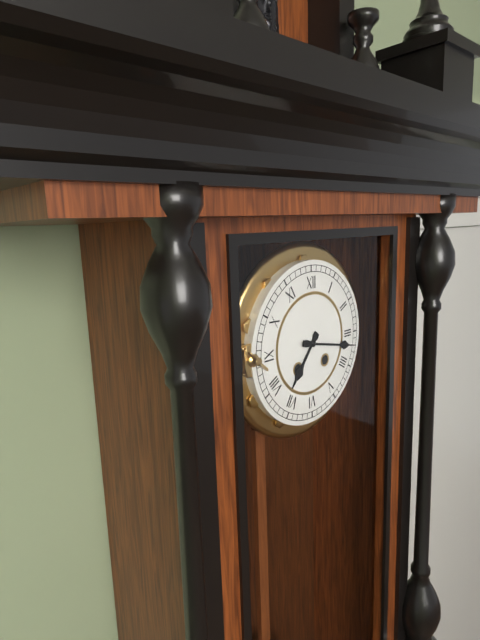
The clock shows 7:17
